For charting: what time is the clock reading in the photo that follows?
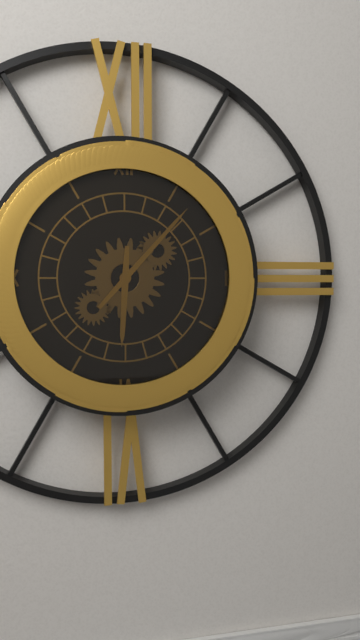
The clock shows 6:07
